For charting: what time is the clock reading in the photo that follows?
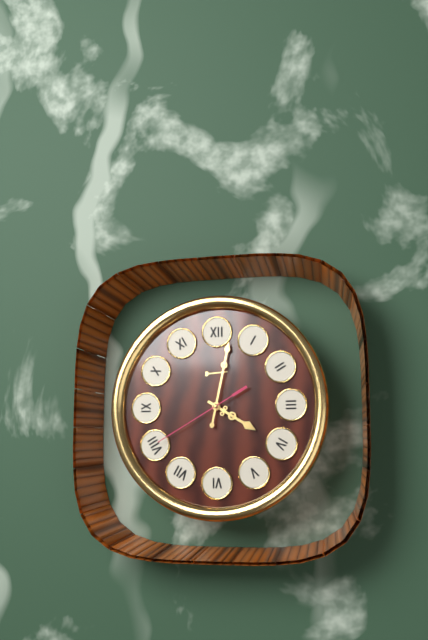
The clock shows 4:02:40
